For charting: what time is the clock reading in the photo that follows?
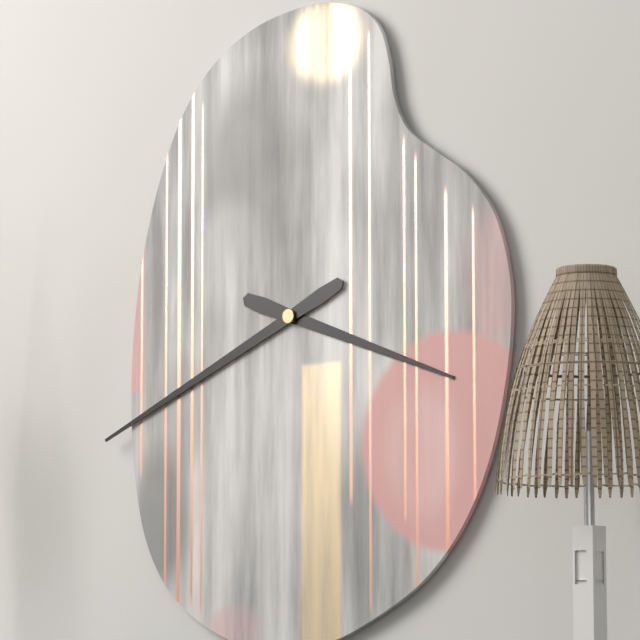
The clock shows 3:41
